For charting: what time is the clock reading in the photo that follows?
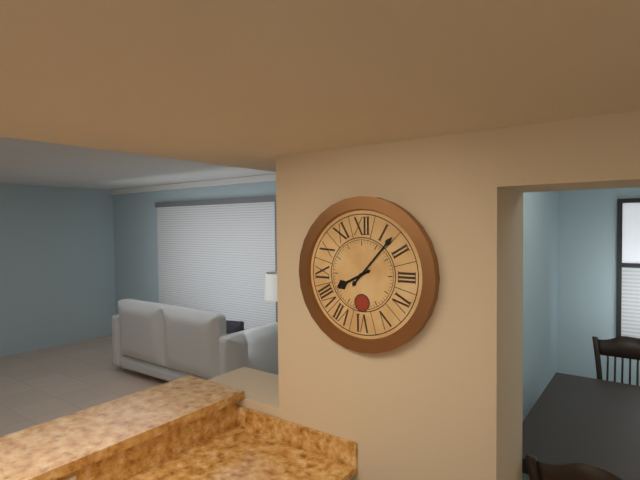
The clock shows 8:07
